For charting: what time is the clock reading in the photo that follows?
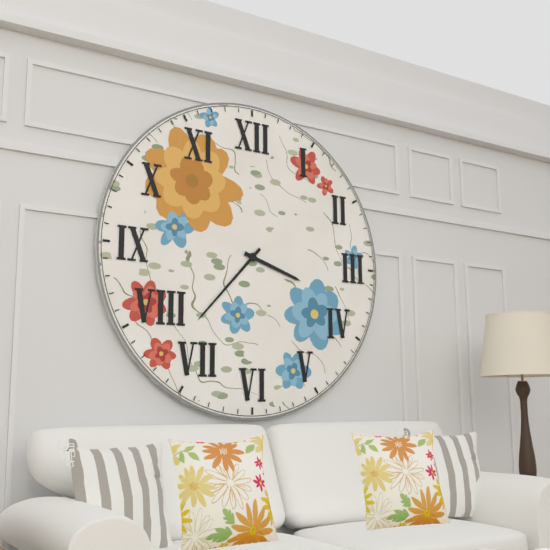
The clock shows 3:37
